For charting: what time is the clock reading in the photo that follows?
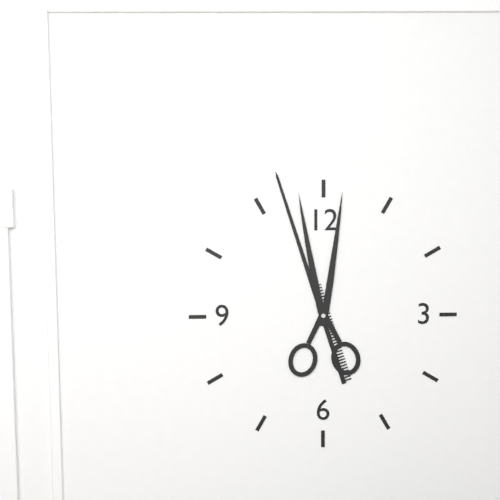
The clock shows 11:57
